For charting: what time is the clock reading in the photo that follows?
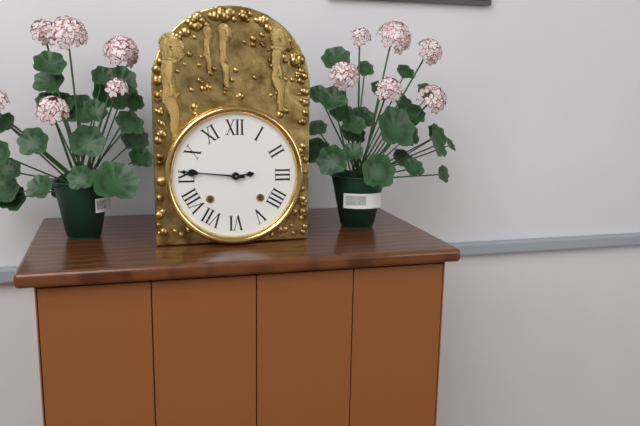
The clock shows 2:46
